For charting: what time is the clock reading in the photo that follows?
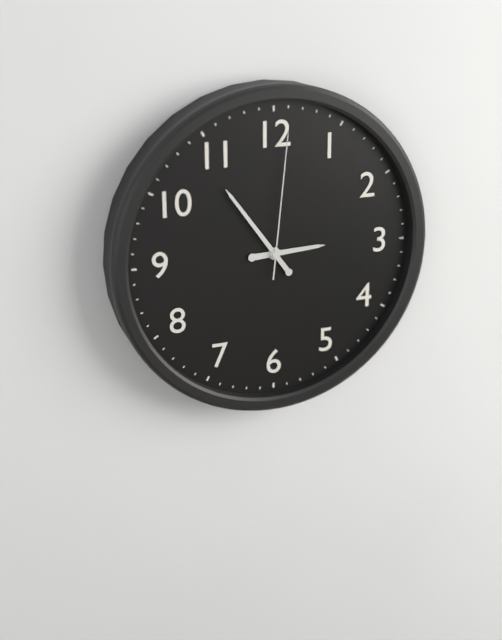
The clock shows 2:54:01
